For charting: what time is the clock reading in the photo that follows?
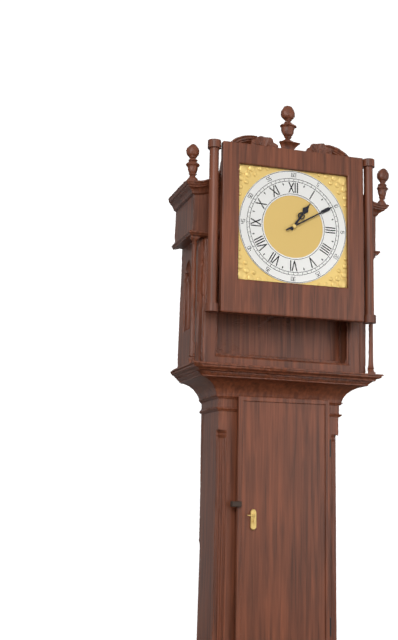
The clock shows 1:10
